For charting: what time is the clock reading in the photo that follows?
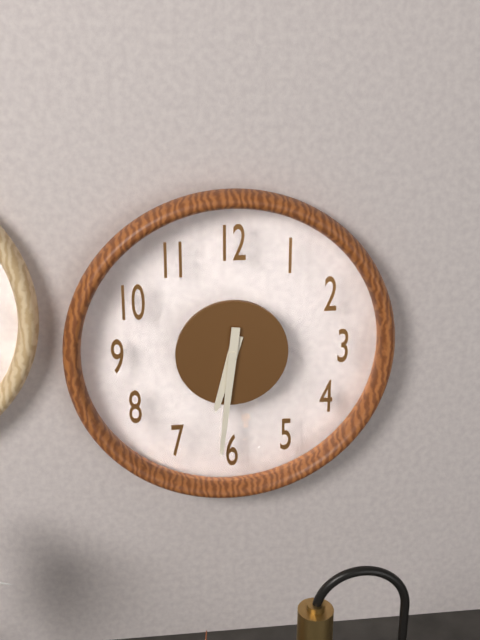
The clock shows 6:31
